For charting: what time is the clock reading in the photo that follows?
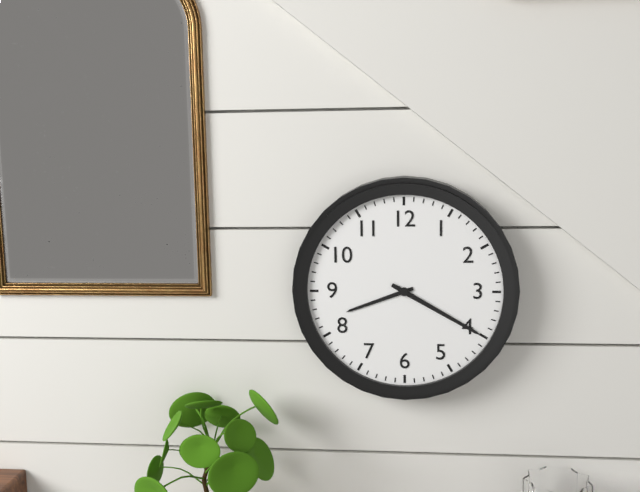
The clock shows 8:20
